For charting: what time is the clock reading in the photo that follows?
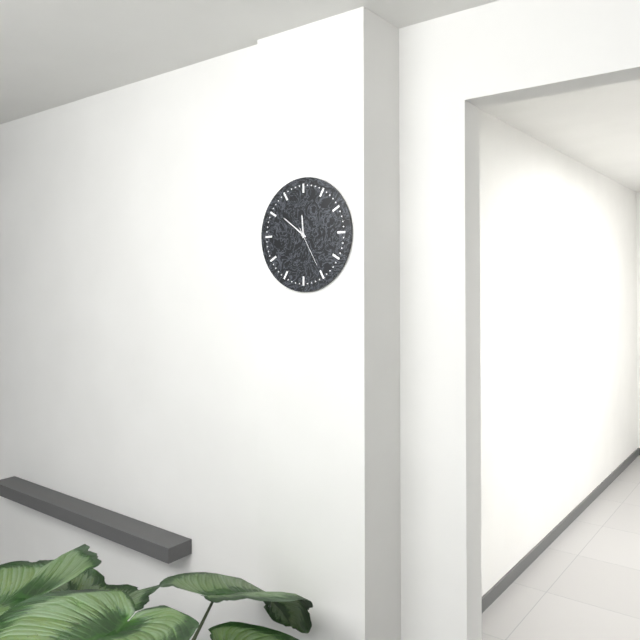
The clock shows 11:51
